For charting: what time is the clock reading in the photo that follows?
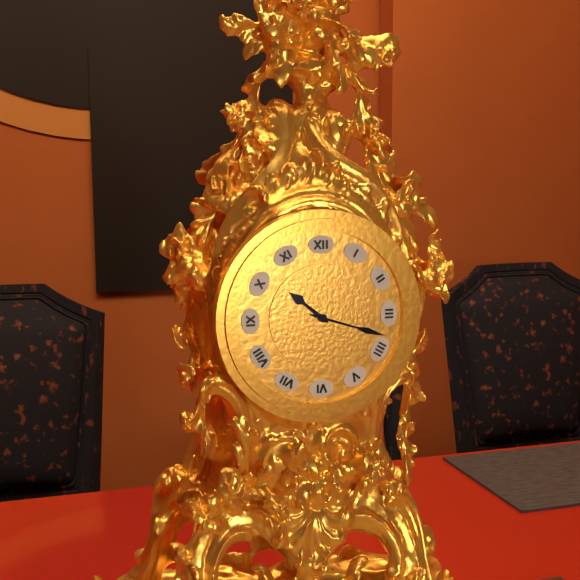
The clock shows 10:18
